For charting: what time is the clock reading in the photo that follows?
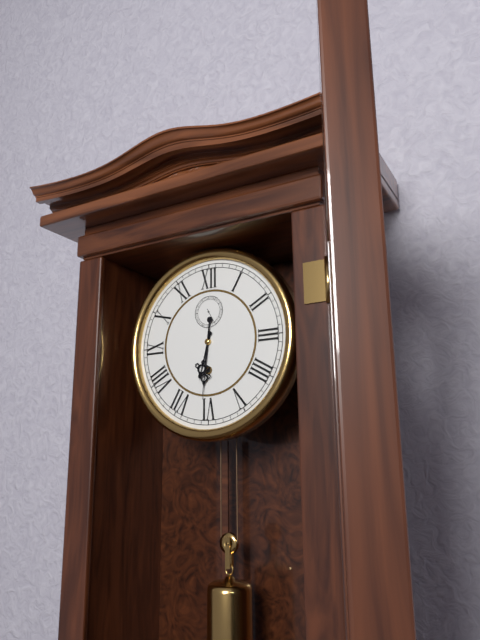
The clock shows 6:31
